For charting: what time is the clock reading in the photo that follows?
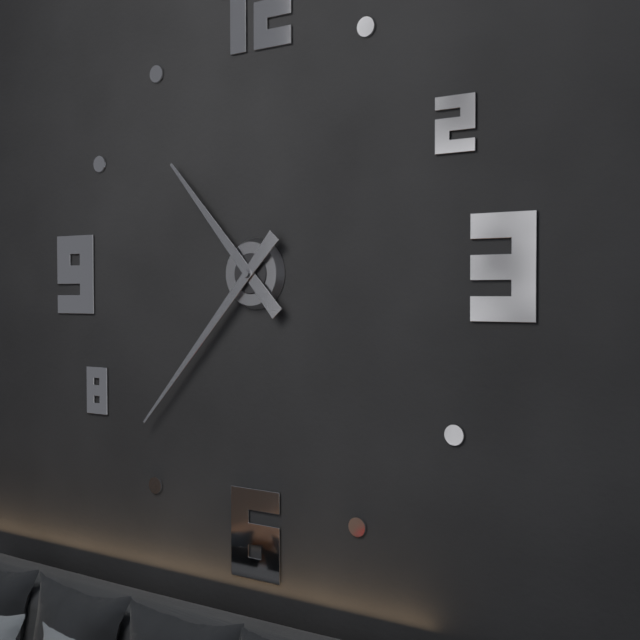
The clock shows 10:37
